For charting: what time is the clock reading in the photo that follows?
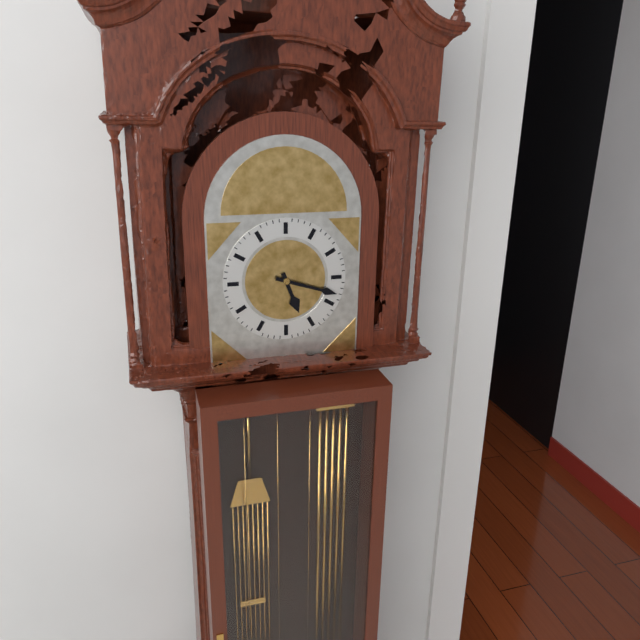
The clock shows 5:18
